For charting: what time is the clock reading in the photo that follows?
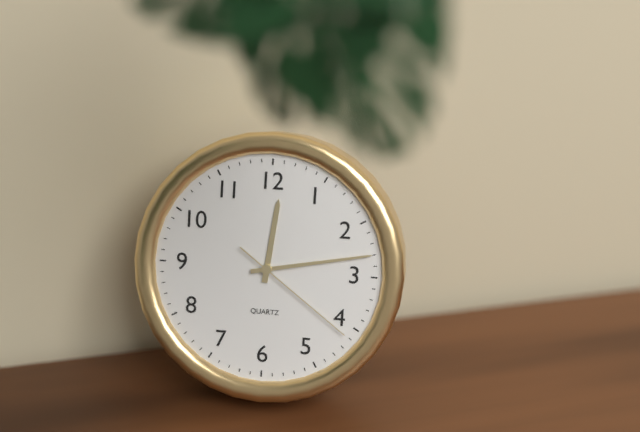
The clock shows 12:13:21
